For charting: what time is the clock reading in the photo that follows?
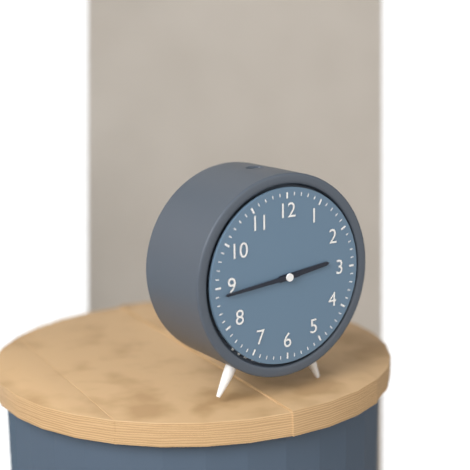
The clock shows 2:44
